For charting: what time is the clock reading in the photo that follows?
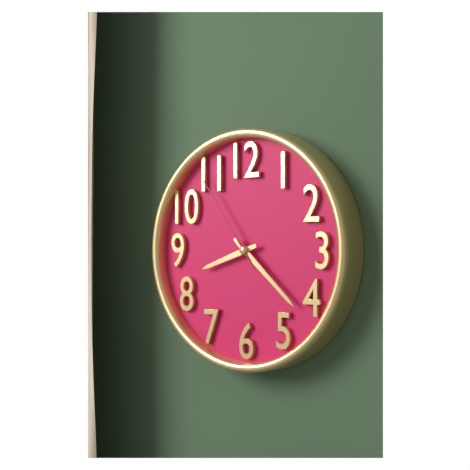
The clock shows 8:22:54
